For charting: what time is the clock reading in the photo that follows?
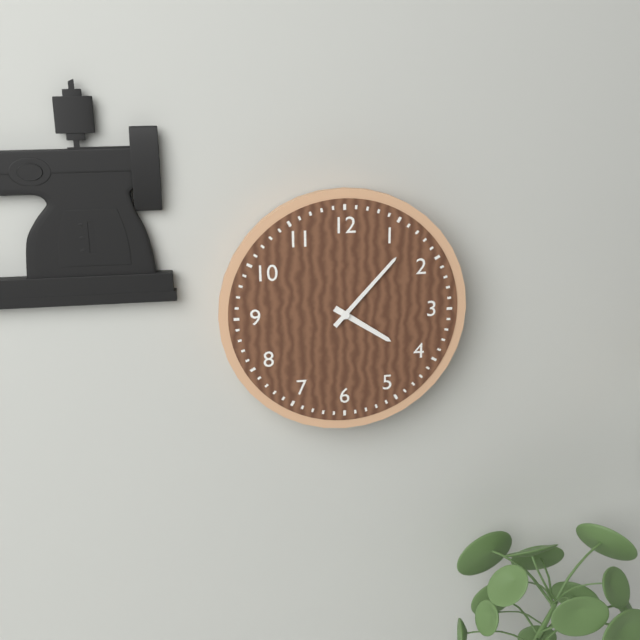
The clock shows 4:07
